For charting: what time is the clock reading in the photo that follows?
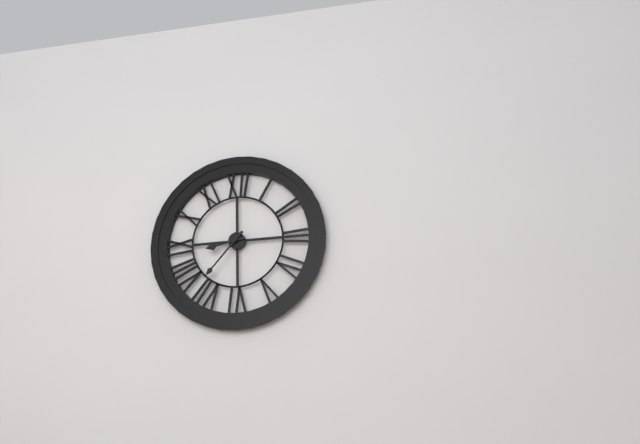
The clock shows 8:37
